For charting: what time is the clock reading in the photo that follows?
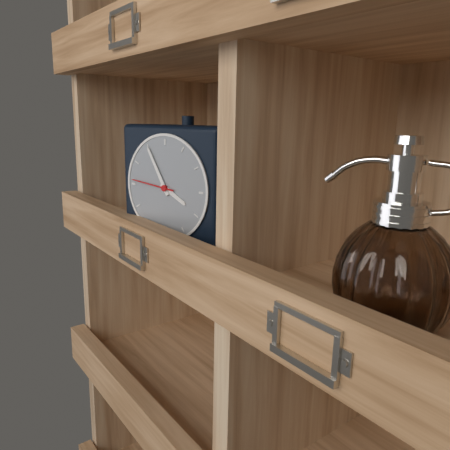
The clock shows 3:55
